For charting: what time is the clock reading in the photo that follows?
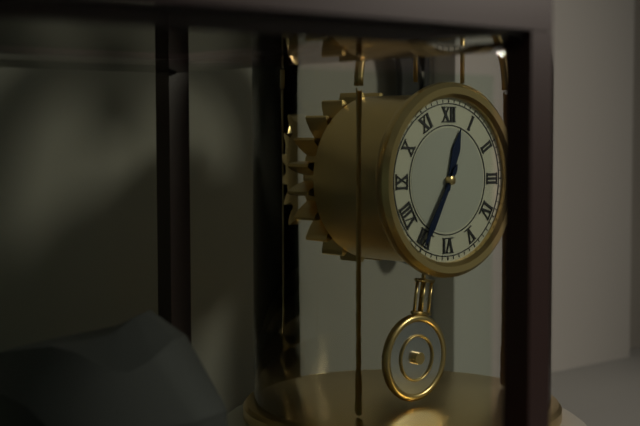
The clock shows 12:35
